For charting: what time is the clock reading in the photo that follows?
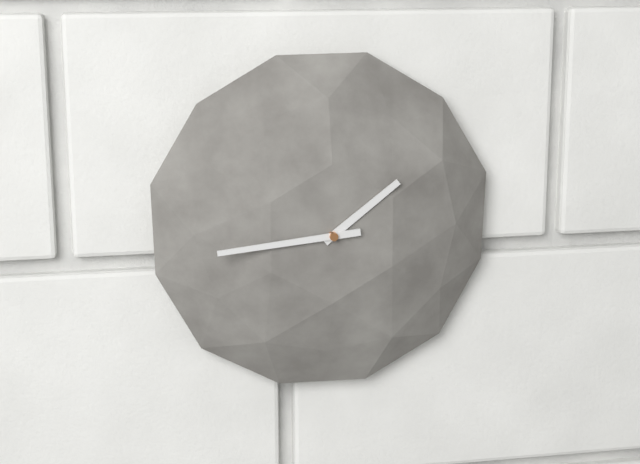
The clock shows 1:44
